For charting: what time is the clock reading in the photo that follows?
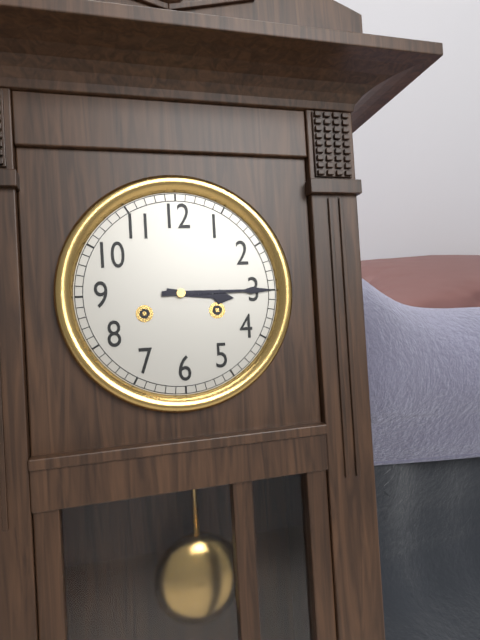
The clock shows 3:15
